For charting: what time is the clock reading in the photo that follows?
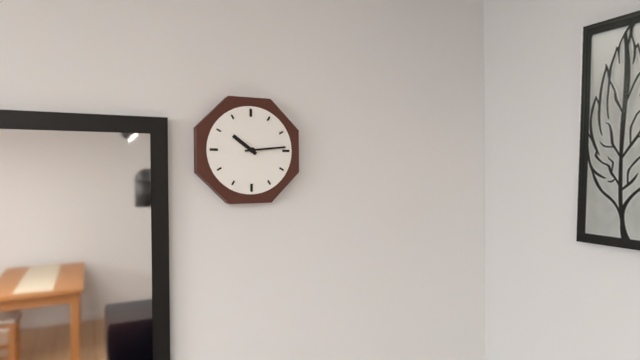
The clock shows 10:14
